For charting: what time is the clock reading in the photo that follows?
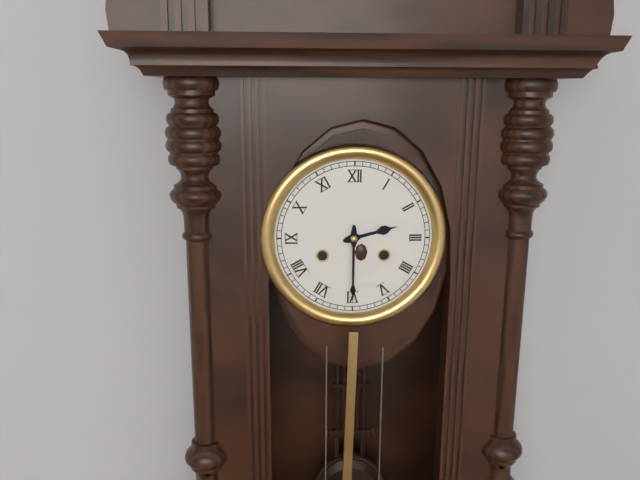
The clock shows 2:30
